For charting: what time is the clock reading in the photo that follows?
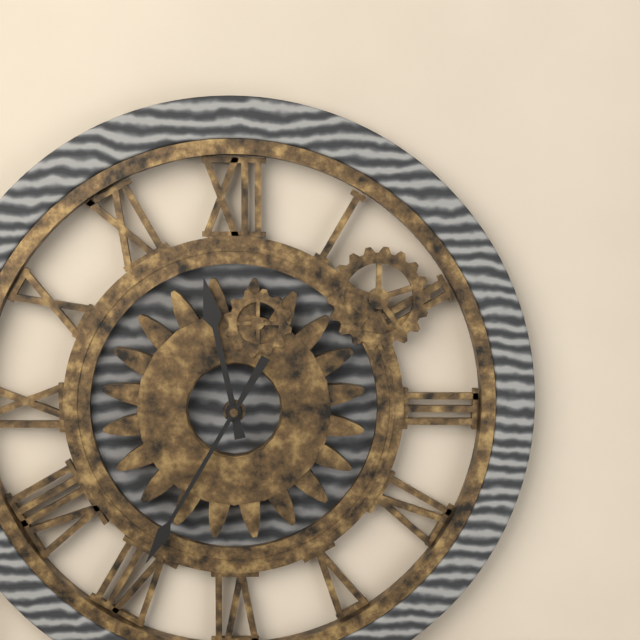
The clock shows 11:35
